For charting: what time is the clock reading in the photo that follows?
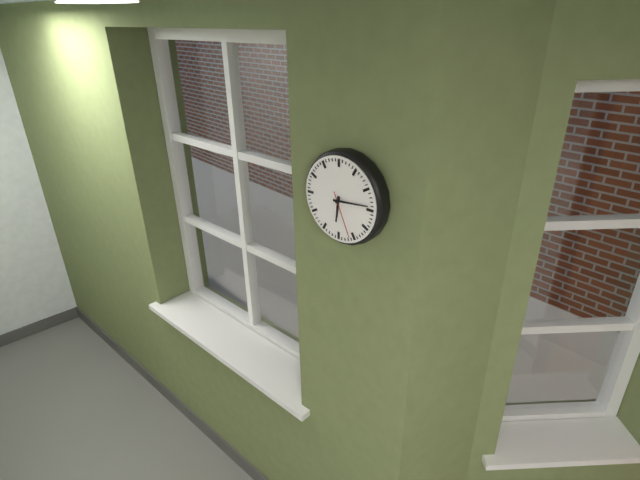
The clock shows 6:14
